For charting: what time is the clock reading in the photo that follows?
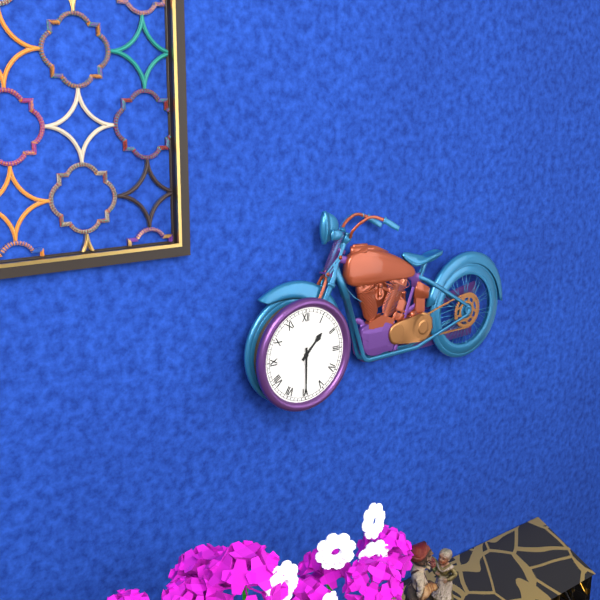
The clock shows 1:30
